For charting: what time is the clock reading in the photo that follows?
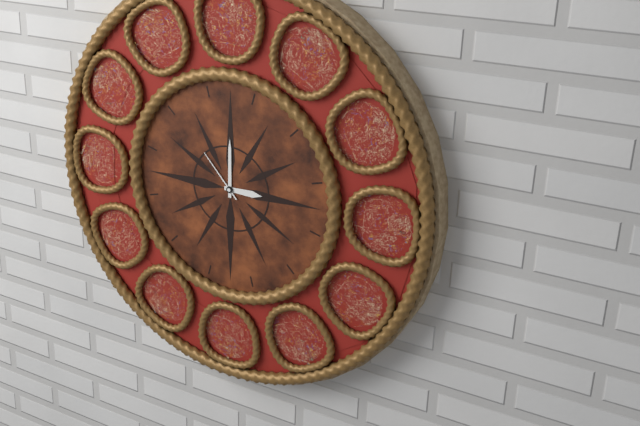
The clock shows 3:00:53
